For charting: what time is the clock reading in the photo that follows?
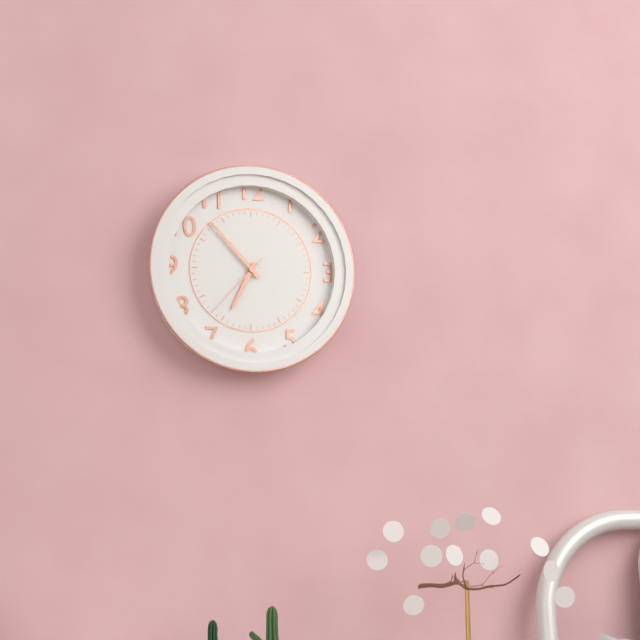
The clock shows 6:53:37
